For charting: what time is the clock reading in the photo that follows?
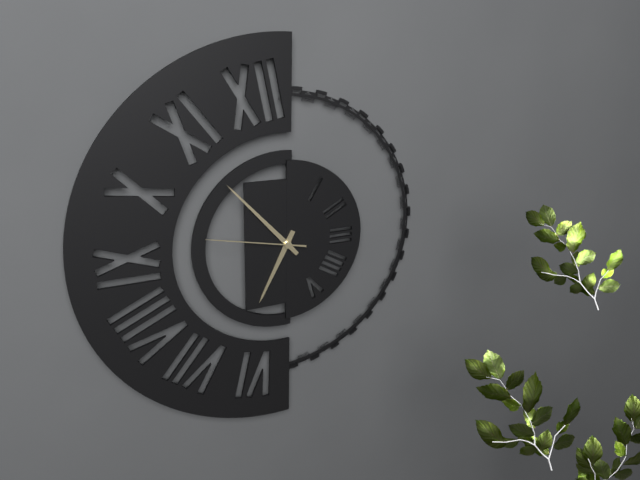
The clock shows 6:53:47
